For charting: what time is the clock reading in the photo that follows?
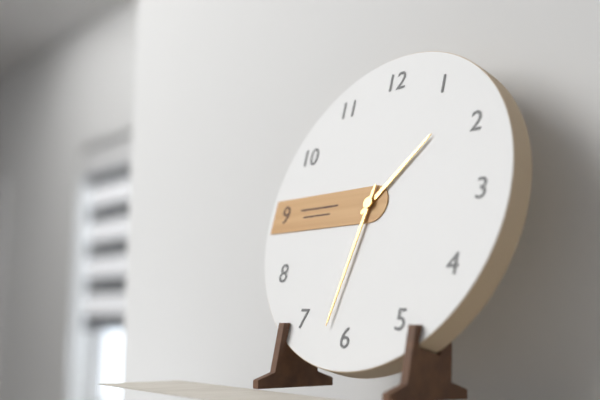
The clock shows 1:32
